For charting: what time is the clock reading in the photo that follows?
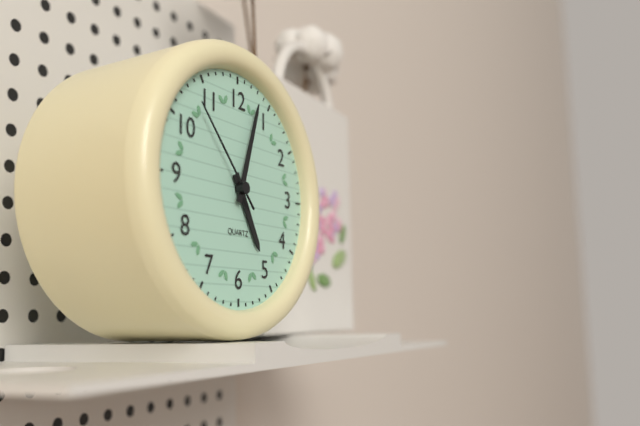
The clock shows 5:03:53
